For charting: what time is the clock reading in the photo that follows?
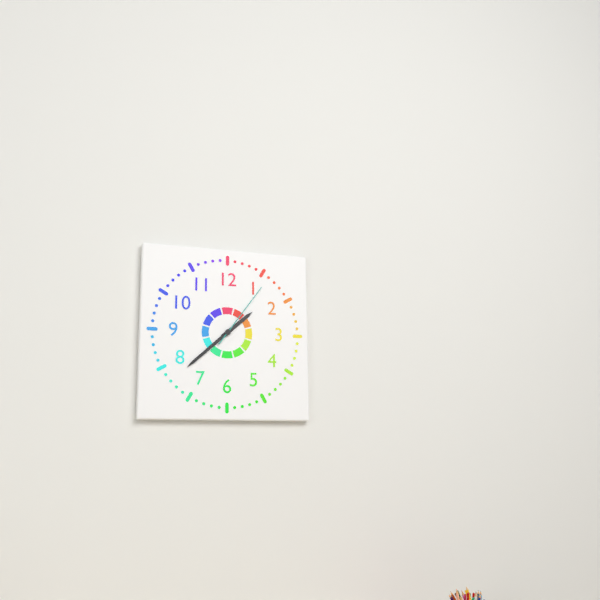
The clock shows 1:38:06
